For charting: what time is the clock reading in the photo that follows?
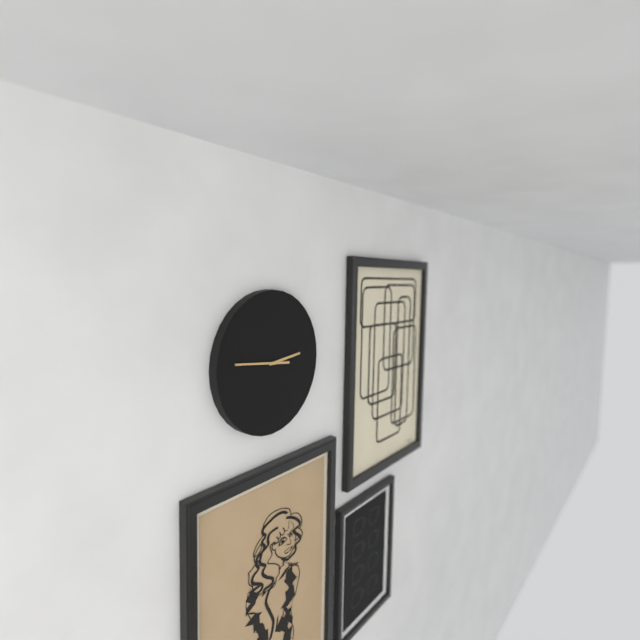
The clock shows 2:46
